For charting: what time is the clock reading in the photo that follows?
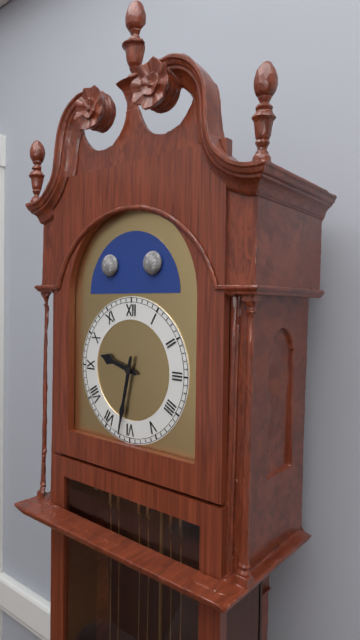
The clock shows 9:32
